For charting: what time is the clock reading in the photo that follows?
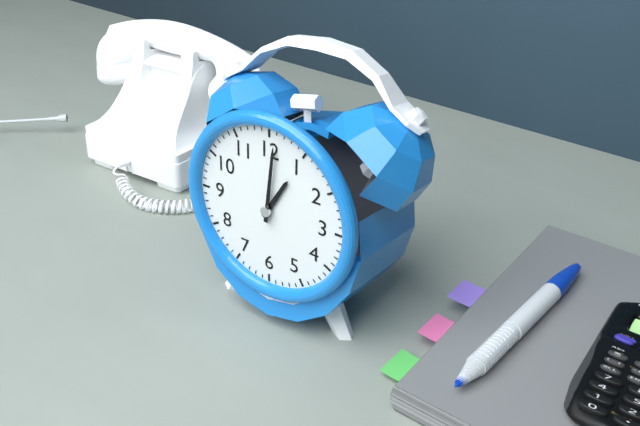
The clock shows 1:01
